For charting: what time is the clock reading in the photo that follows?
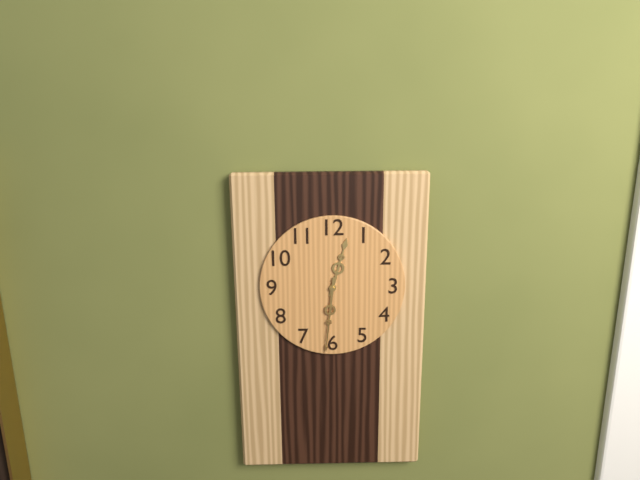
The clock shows 12:31
